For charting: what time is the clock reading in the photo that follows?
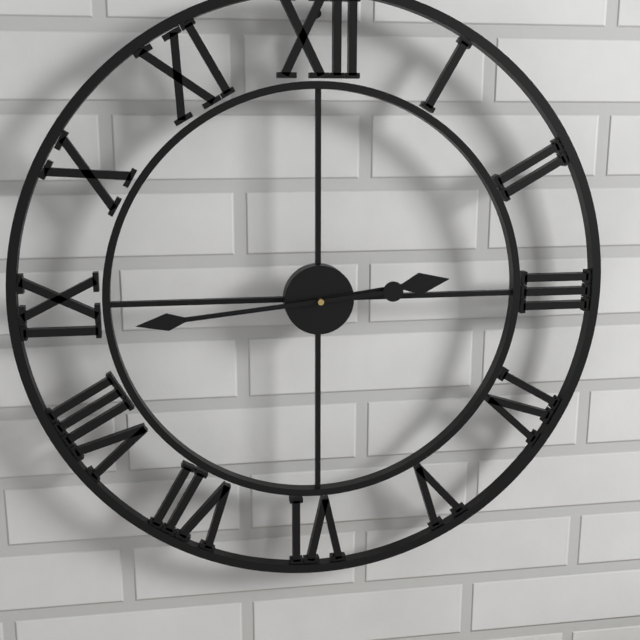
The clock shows 2:44
